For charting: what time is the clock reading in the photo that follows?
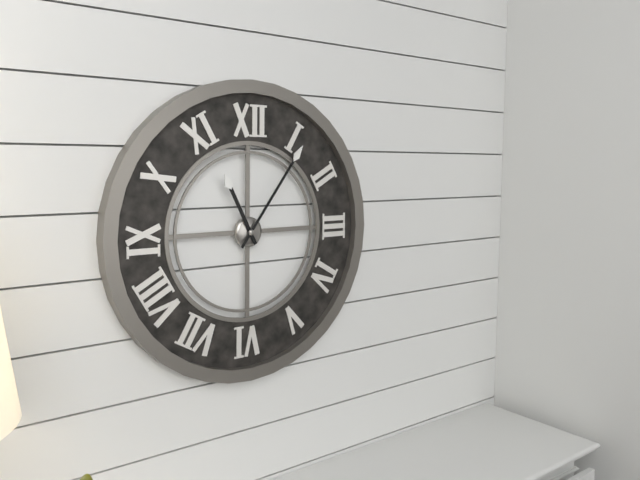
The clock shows 11:06
